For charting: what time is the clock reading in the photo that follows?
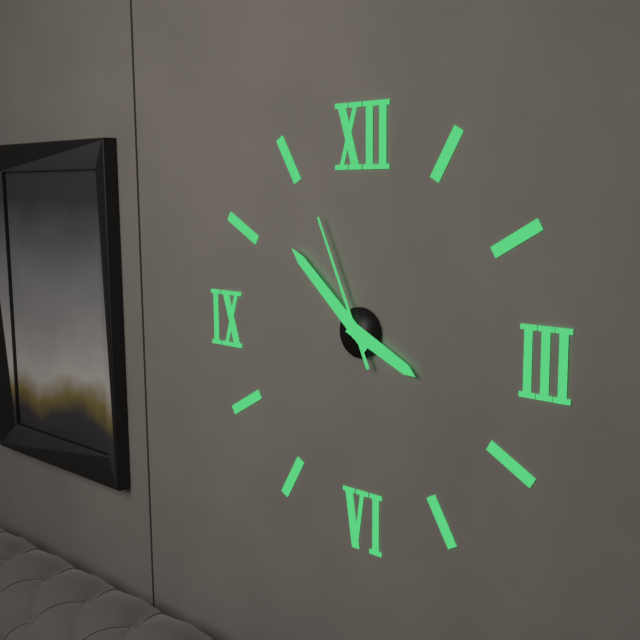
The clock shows 3:52:56
